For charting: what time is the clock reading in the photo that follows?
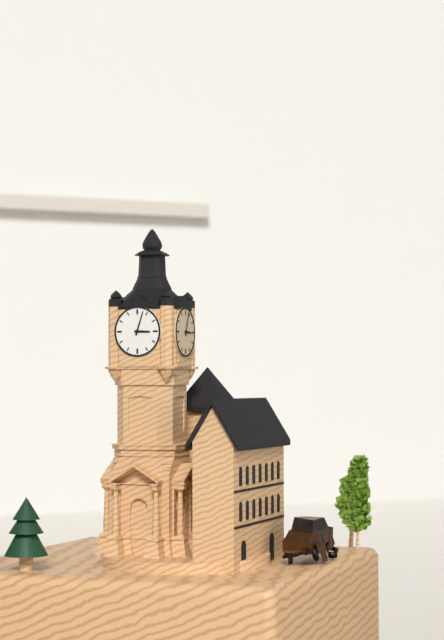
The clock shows 3:03
